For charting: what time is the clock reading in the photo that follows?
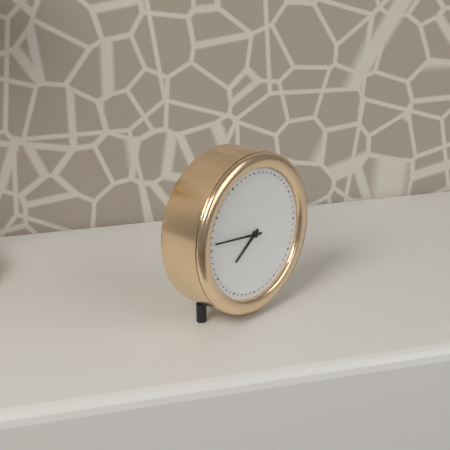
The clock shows 7:46
